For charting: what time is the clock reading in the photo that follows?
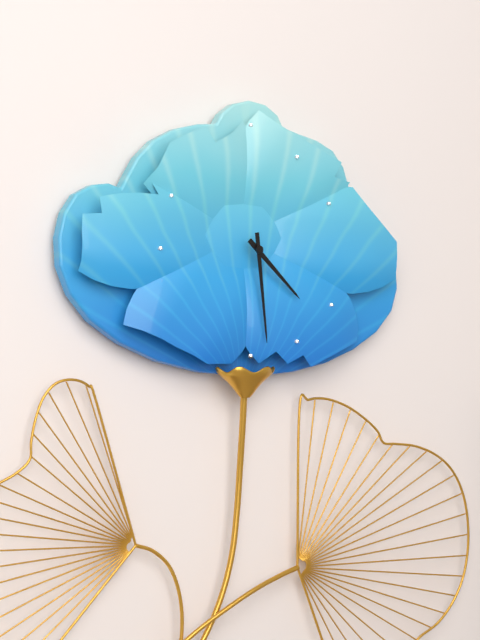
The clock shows 4:29
